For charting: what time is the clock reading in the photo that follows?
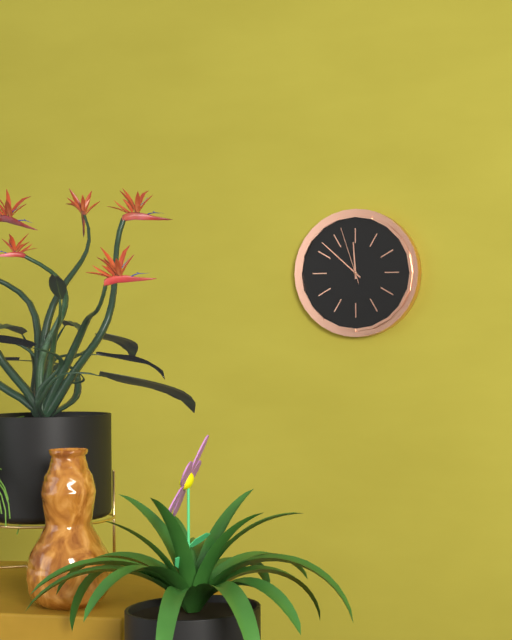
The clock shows 11:52:57
